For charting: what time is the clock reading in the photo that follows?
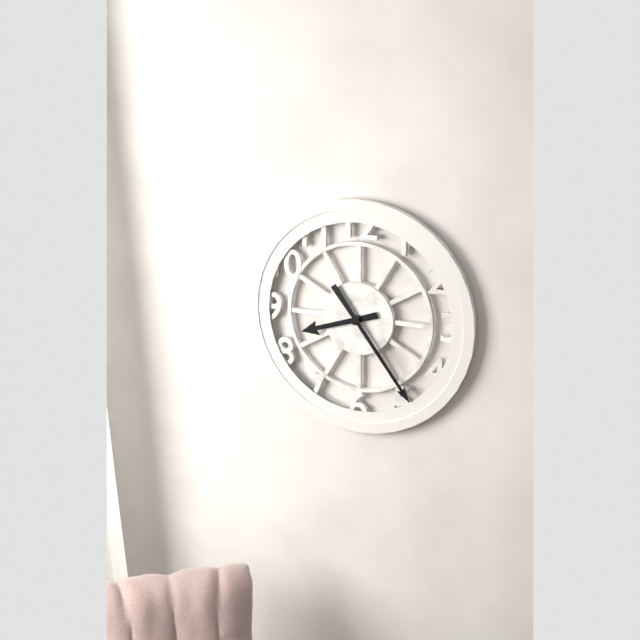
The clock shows 8:24
